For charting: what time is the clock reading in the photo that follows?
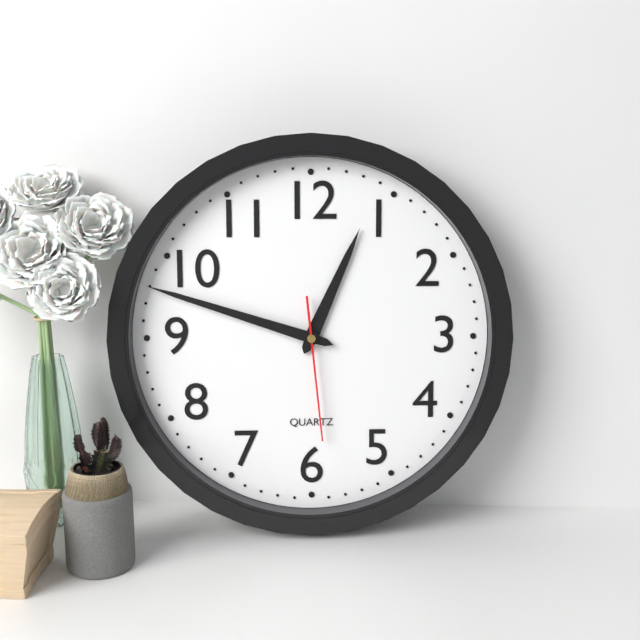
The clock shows 12:48:29
